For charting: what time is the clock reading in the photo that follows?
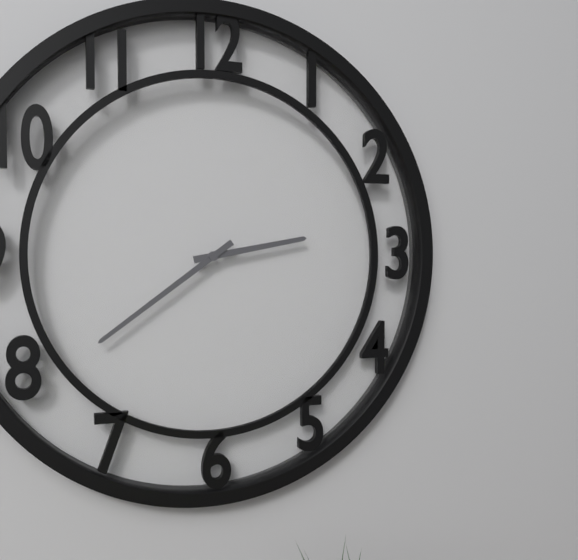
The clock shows 2:39
